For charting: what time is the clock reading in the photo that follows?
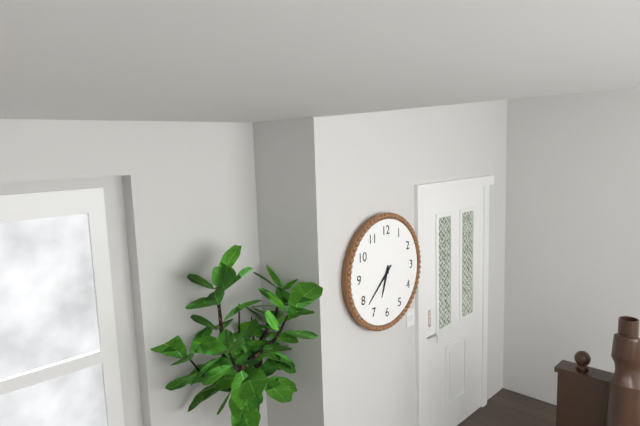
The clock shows 6:38
